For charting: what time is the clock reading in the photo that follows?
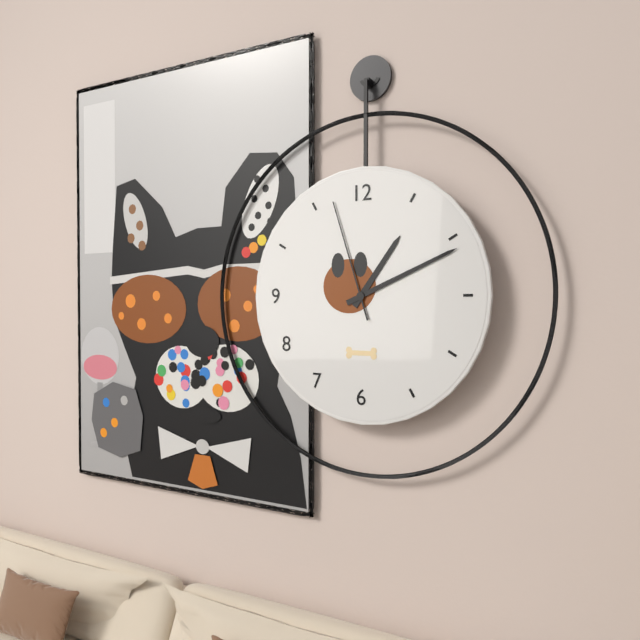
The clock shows 1:11:57
